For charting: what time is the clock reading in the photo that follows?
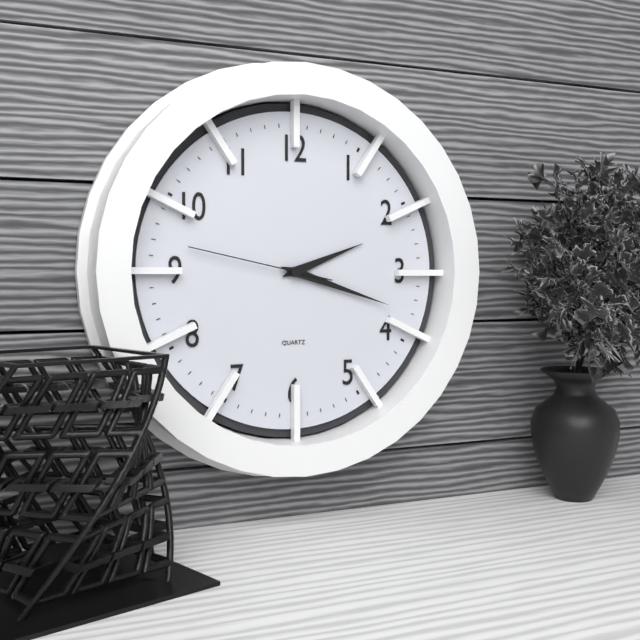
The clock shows 2:18:47
